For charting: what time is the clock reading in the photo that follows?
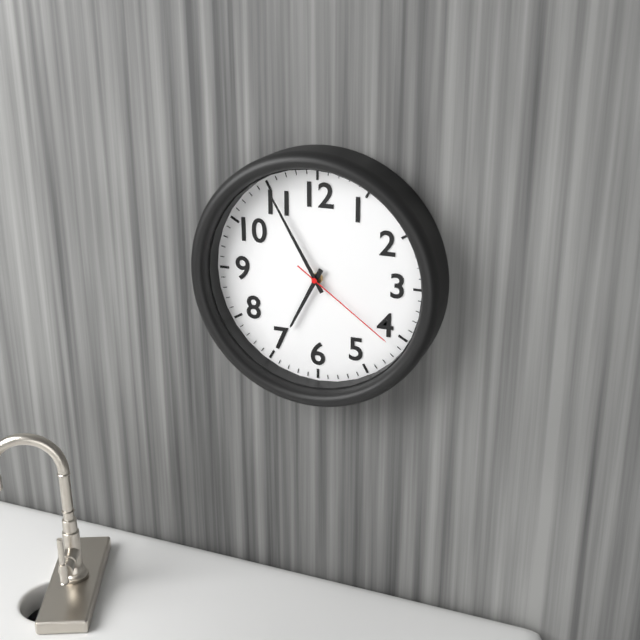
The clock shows 6:55:21
